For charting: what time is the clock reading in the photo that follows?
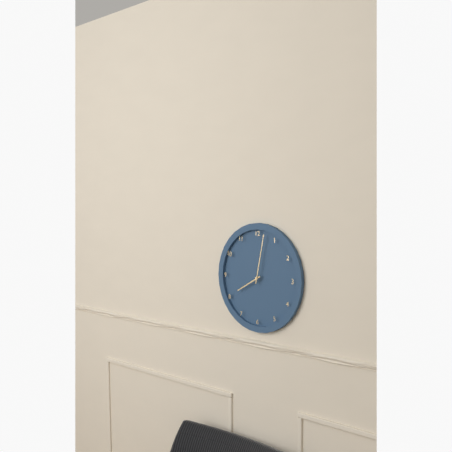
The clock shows 8:02
